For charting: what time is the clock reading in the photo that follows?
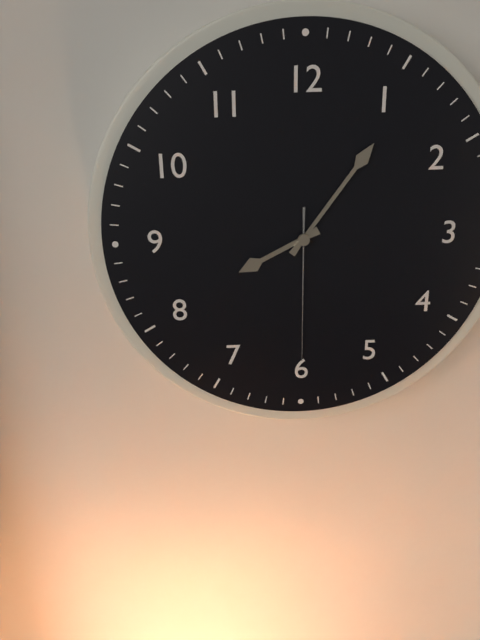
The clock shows 8:06:30
